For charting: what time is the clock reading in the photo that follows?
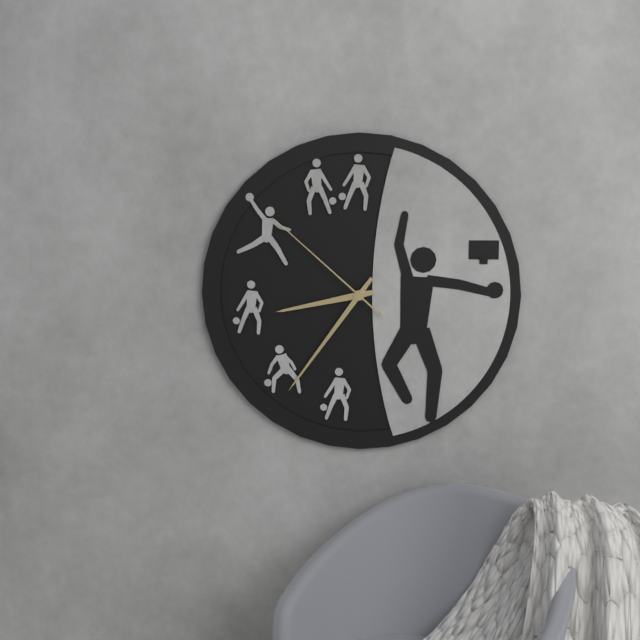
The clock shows 8:36:52
